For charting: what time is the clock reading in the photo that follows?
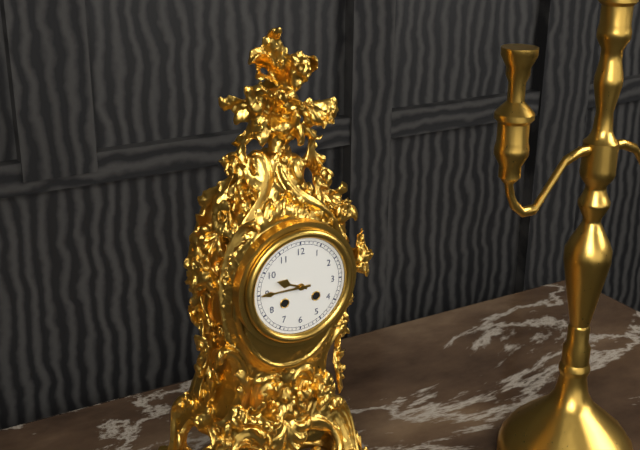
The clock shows 9:45
